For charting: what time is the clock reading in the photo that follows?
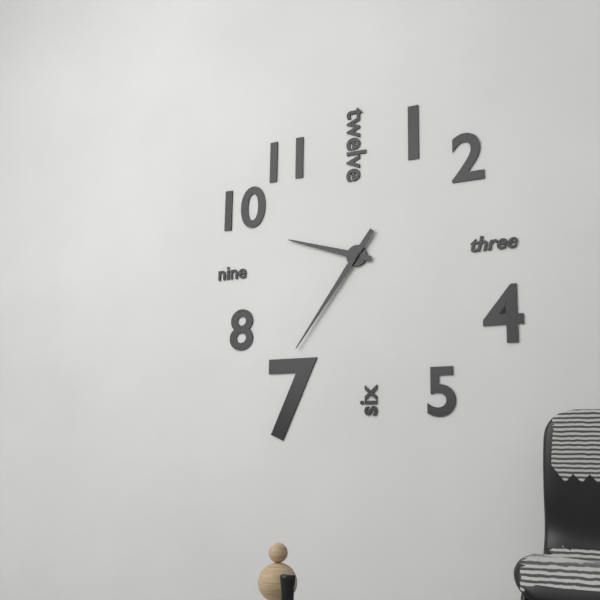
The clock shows 9:36
